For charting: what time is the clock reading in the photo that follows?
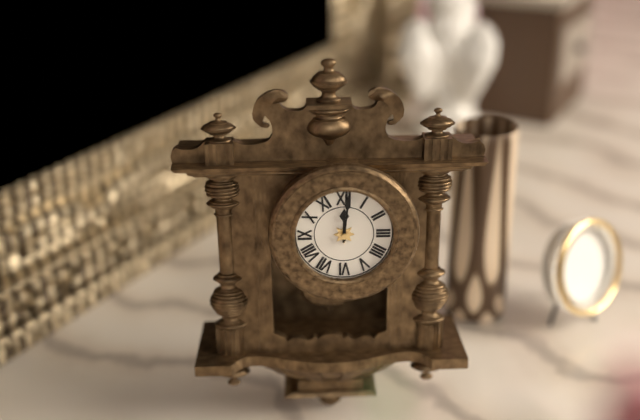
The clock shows 12:01
